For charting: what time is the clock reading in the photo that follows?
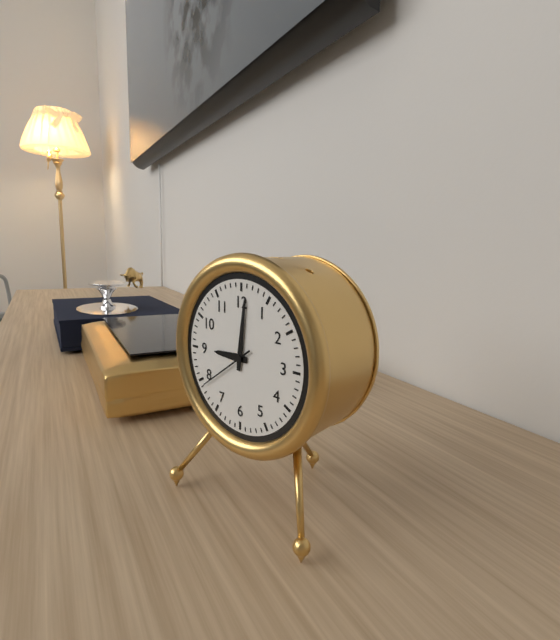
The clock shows 9:01:39
